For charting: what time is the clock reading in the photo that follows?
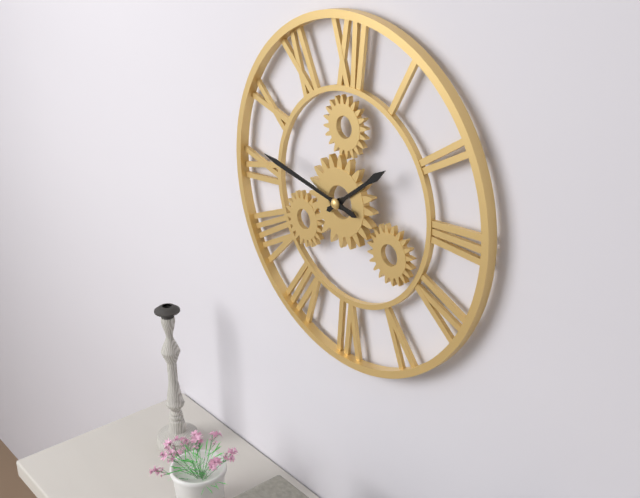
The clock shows 1:47
